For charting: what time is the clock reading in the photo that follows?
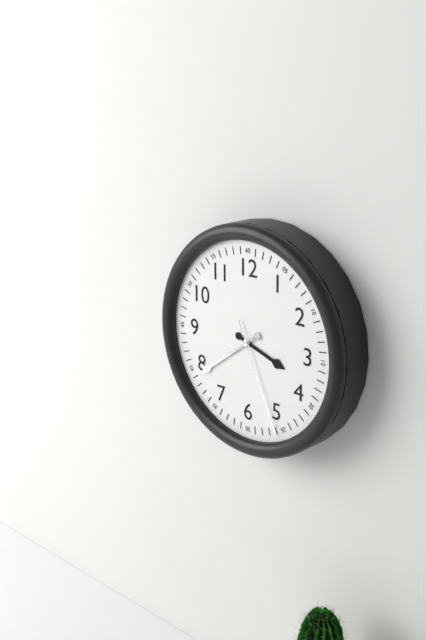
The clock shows 3:39:26
